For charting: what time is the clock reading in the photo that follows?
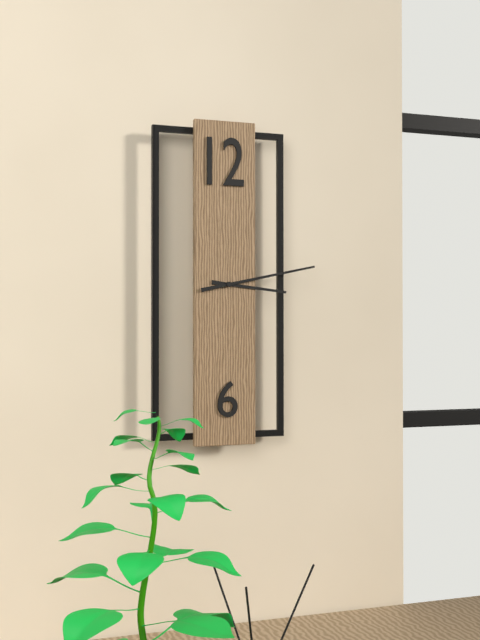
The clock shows 3:13
